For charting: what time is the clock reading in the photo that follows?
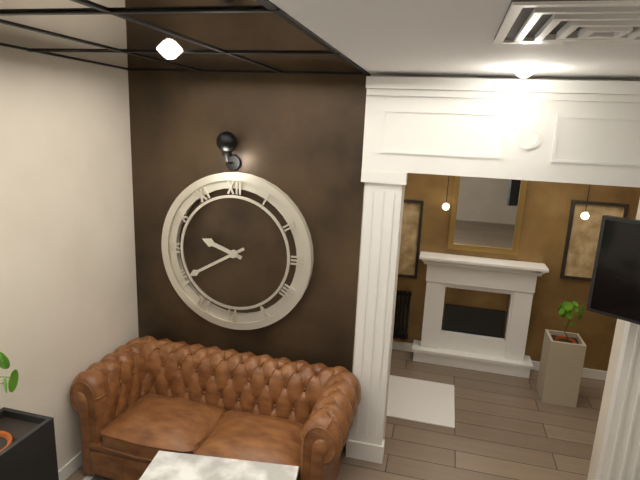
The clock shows 9:40
